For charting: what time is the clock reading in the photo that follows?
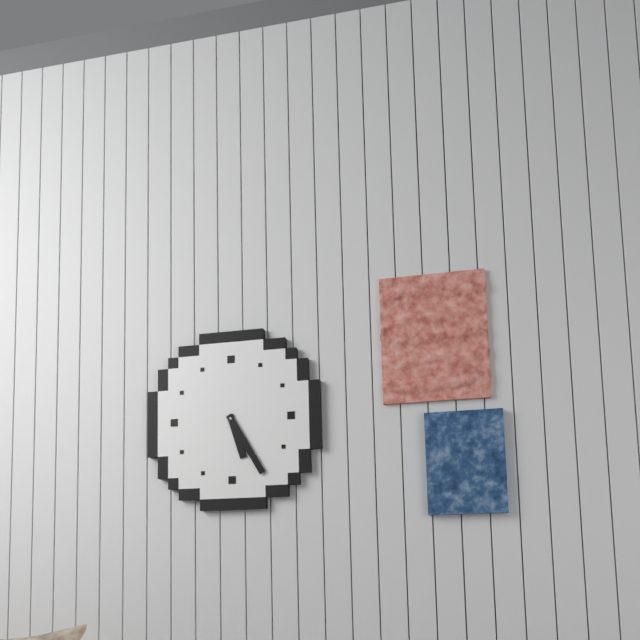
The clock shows 5:25
